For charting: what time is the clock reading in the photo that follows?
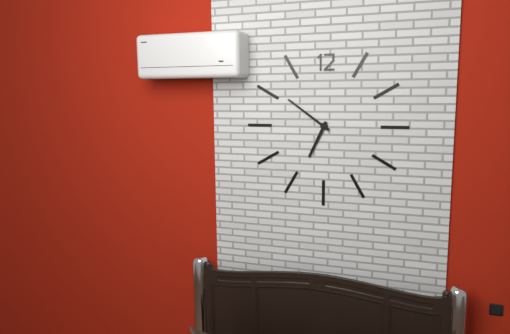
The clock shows 6:51
